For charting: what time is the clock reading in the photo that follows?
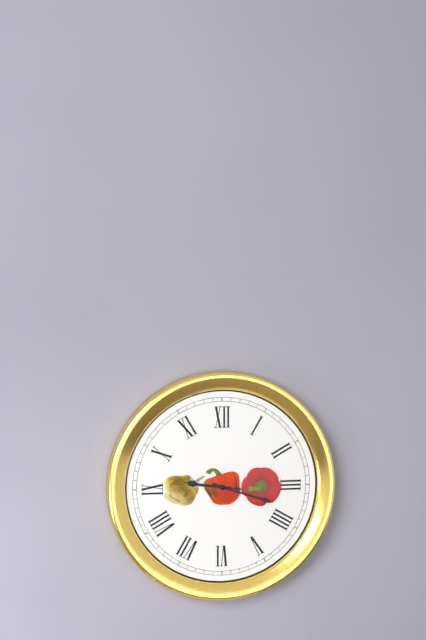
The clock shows 9:18:46
